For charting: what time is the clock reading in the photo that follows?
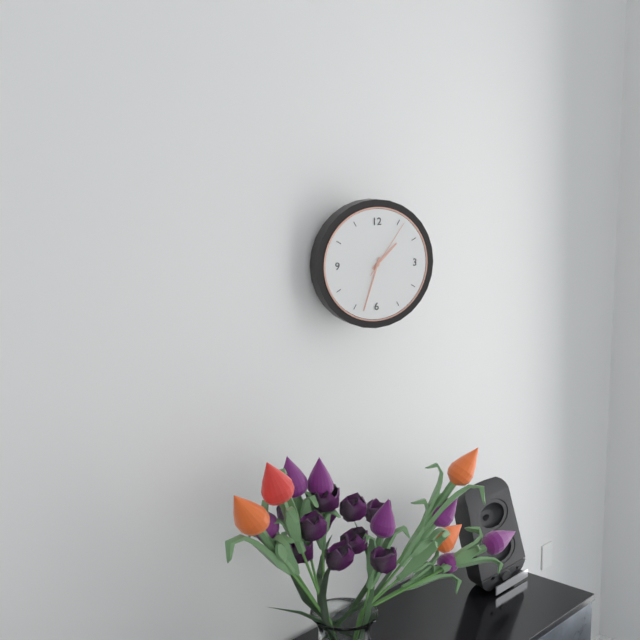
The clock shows 1:33:06
